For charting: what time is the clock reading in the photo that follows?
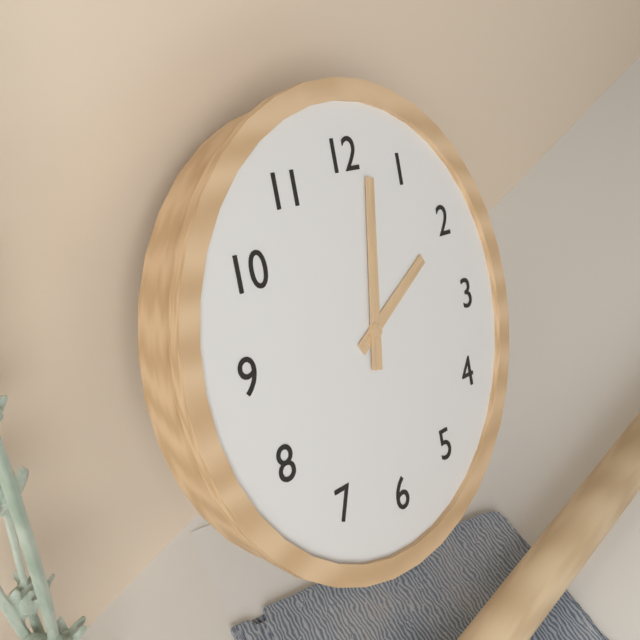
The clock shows 2:02
